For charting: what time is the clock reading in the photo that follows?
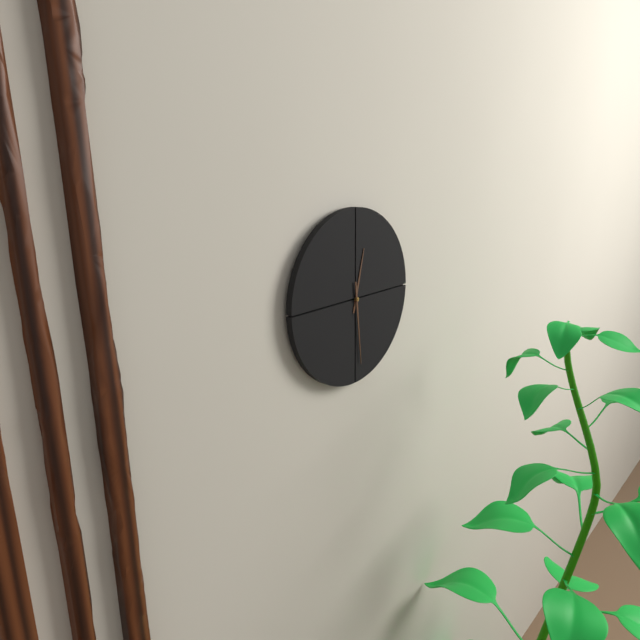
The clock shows 12:29
